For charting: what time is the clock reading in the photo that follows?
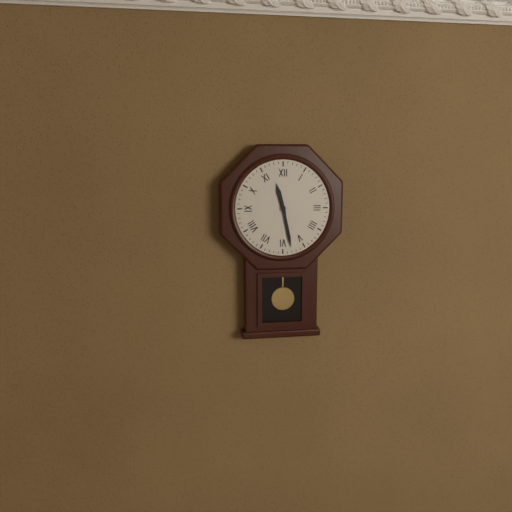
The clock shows 11:28
